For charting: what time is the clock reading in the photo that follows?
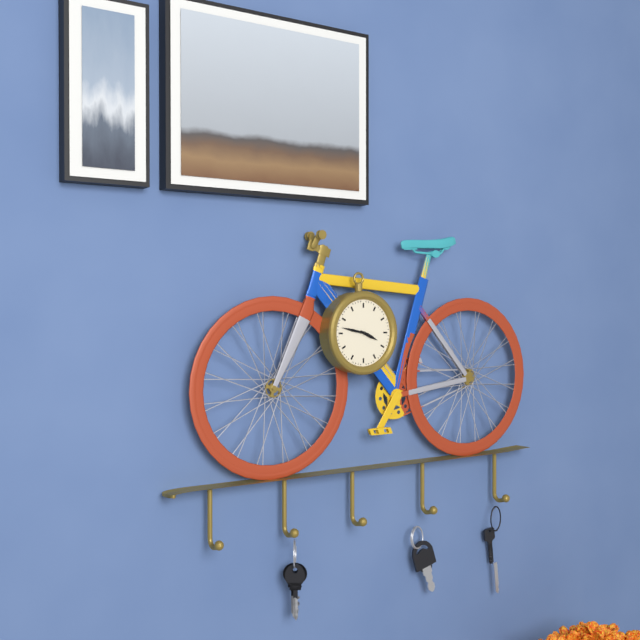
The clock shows 3:47
